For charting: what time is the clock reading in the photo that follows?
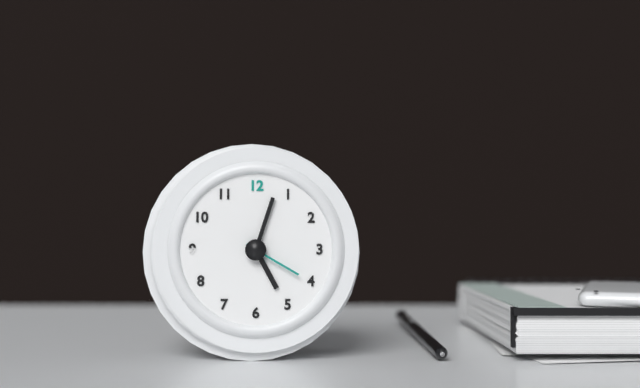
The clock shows 5:03:20
